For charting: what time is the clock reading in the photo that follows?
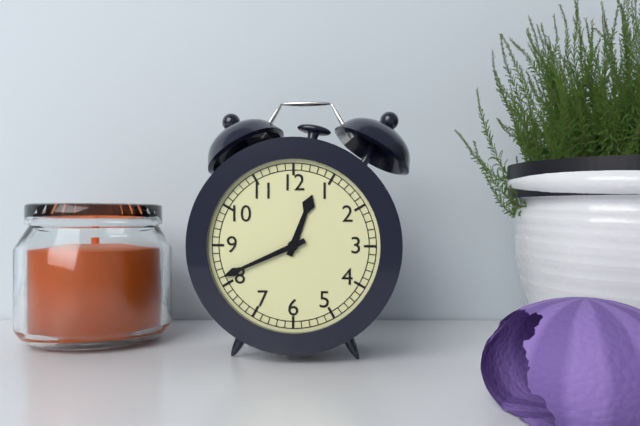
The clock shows 12:41
